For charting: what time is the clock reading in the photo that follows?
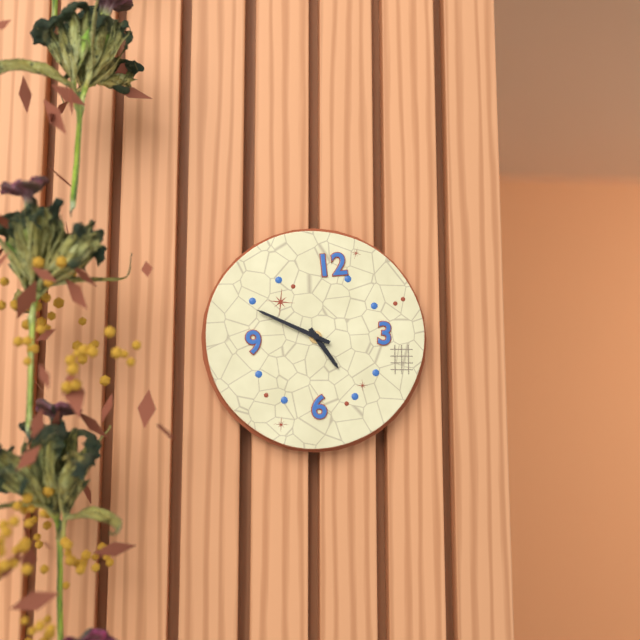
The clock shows 4:49
